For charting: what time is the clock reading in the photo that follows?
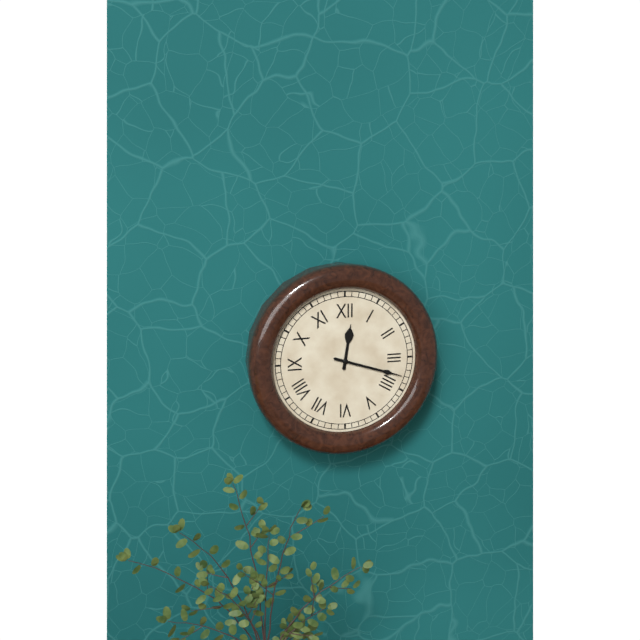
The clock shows 12:18
